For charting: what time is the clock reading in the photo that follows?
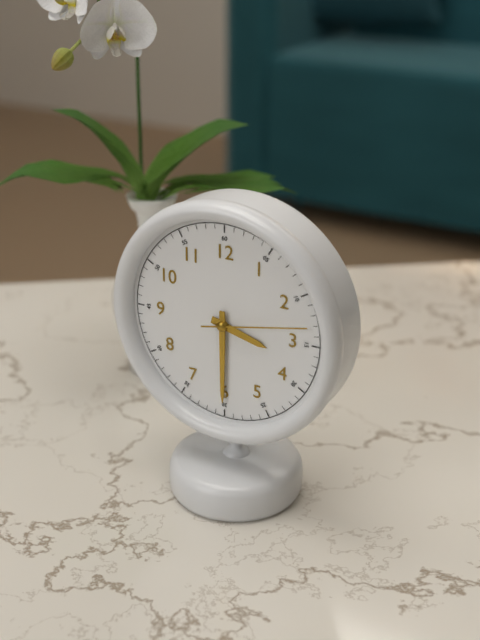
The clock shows 3:30:13
